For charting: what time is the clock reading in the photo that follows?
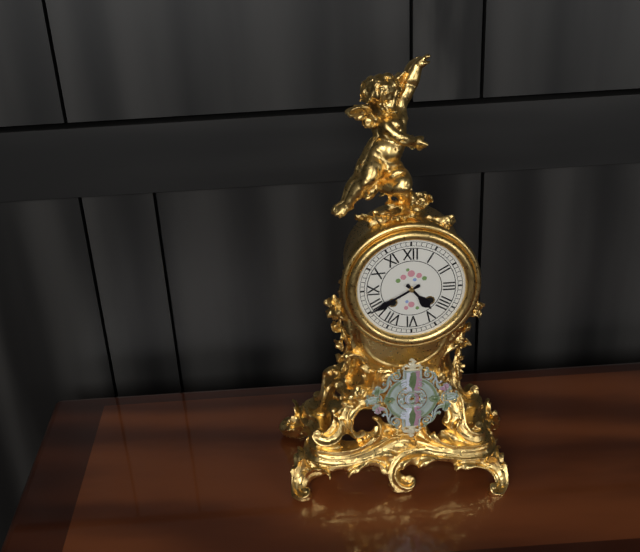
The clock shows 4:40
